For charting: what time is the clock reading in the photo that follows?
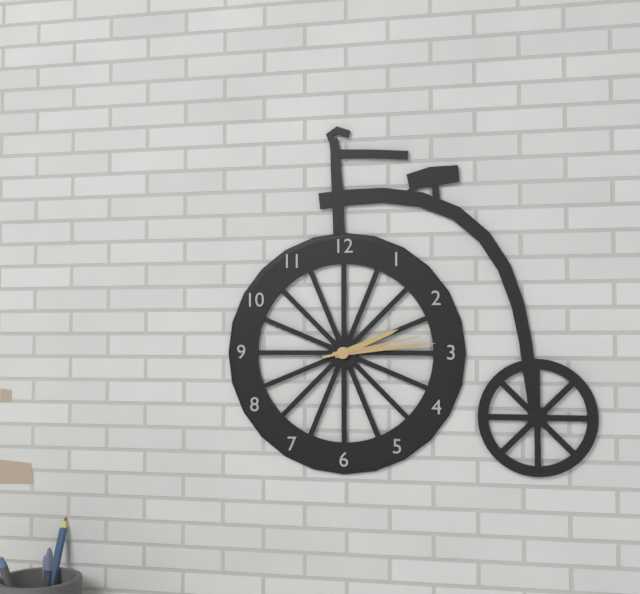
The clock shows 2:14:13
